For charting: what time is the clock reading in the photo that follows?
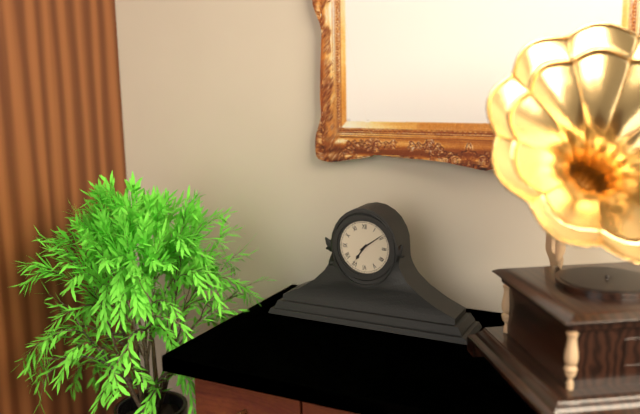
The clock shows 7:09
